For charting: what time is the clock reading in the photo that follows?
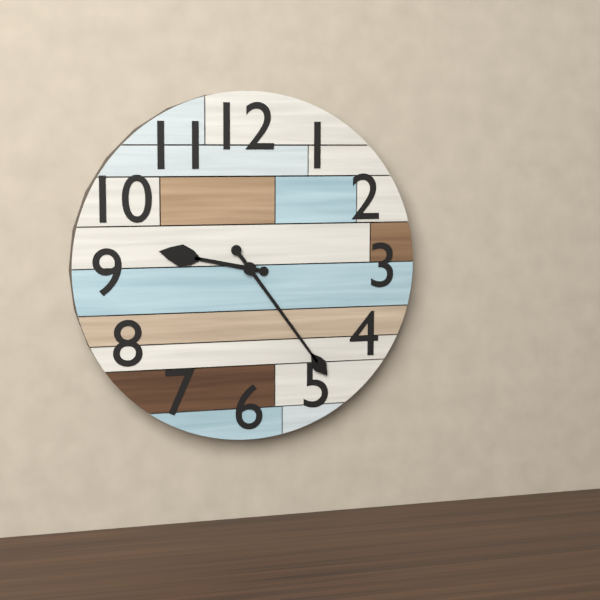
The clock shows 9:24
